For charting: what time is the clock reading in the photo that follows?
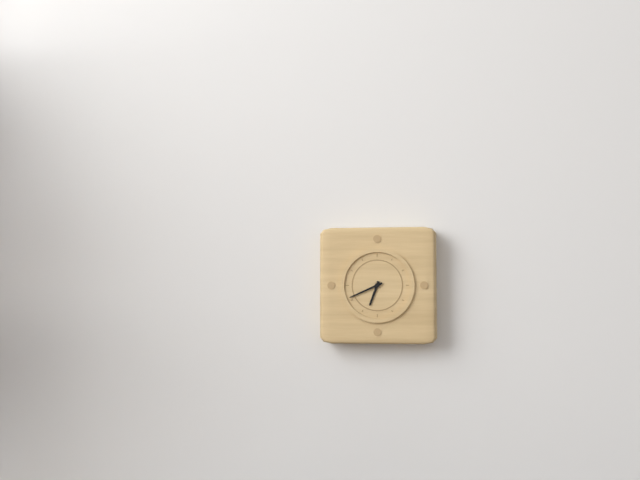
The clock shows 6:41
